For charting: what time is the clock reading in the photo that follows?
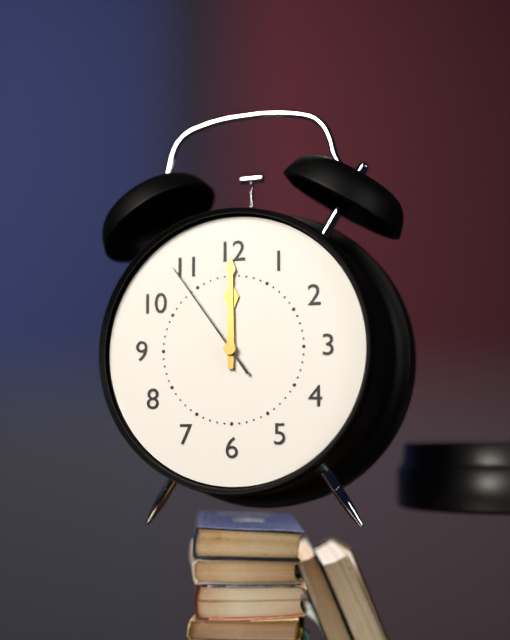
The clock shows 12:00:54
